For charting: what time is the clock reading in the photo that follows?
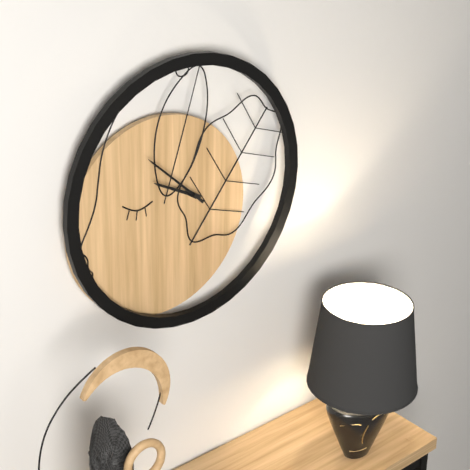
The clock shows 9:52
